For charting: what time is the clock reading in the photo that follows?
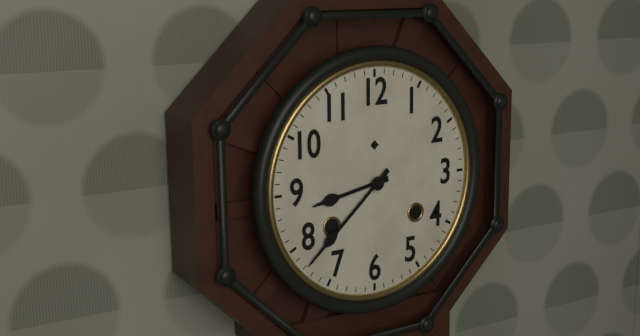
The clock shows 8:38
